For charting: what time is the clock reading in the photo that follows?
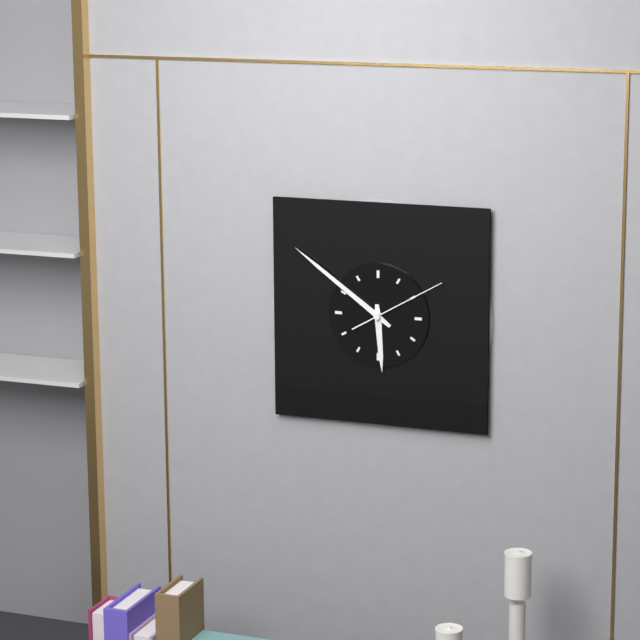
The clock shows 5:51:10
